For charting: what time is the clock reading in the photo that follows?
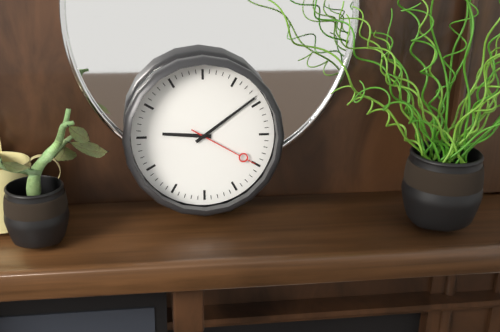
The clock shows 9:09:20
